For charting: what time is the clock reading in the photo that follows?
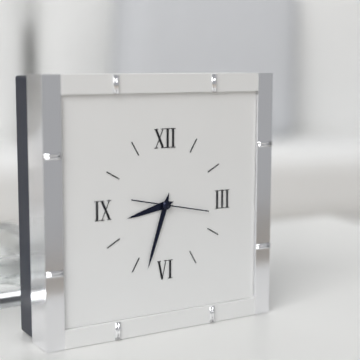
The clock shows 8:33:17
